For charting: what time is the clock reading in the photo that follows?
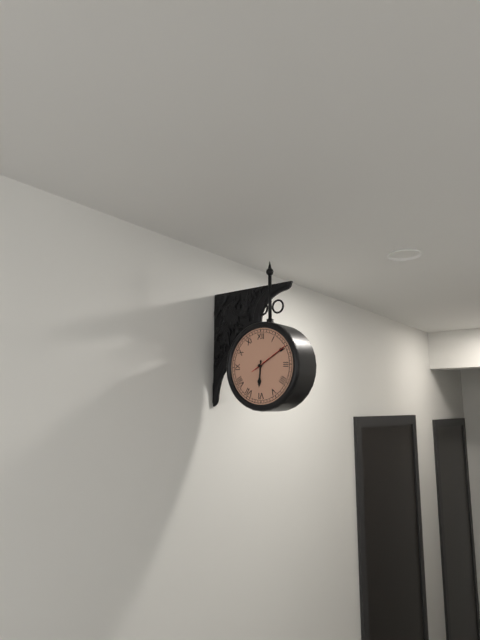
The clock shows 6:10
